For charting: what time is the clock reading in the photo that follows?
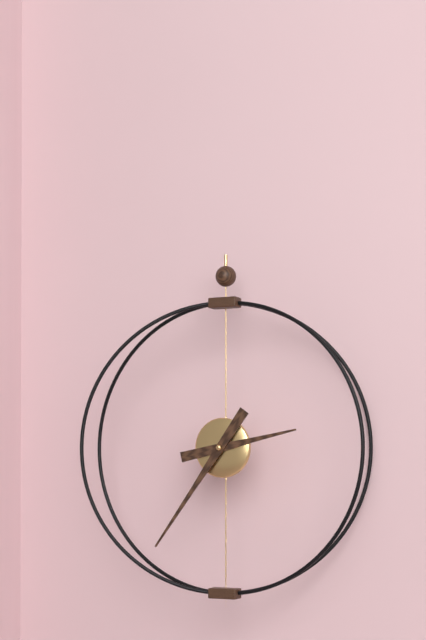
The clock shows 2:36
